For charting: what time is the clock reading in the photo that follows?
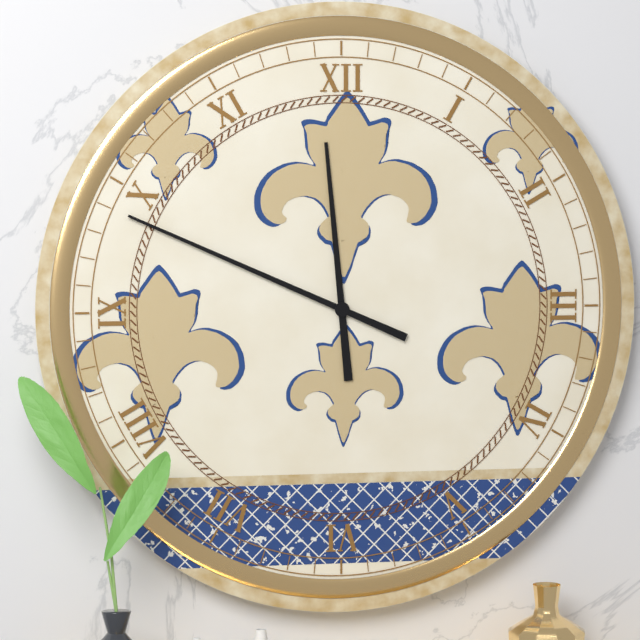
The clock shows 11:49
